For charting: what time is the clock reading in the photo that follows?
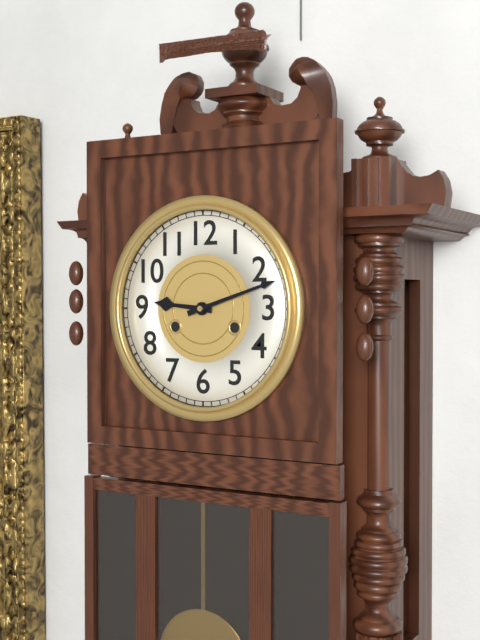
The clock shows 9:12
